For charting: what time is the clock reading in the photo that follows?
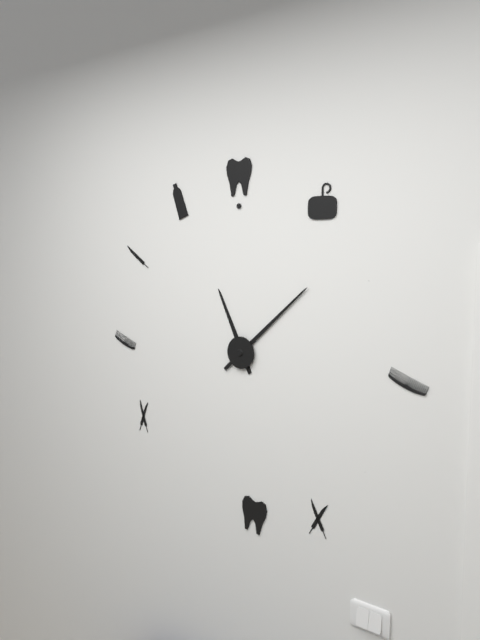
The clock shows 11:08
